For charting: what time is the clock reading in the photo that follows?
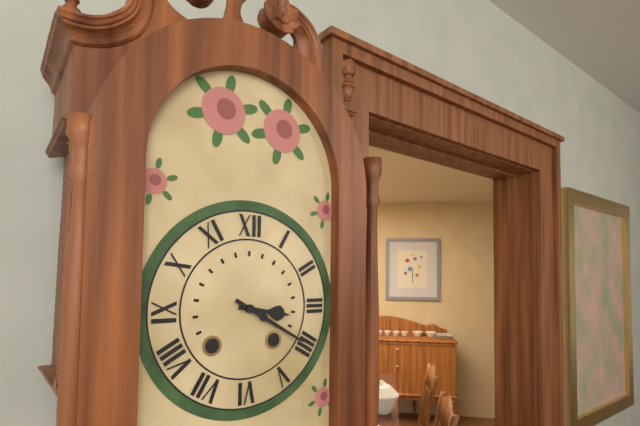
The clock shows 3:20
